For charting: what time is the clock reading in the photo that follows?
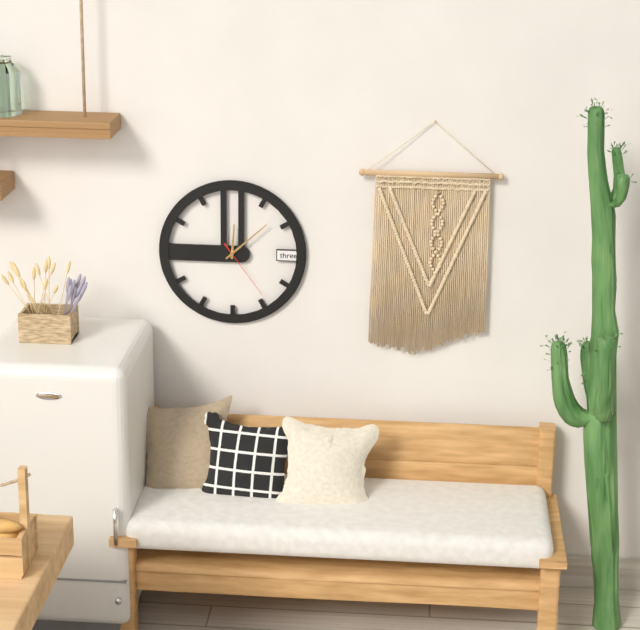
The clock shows 12:08:24
